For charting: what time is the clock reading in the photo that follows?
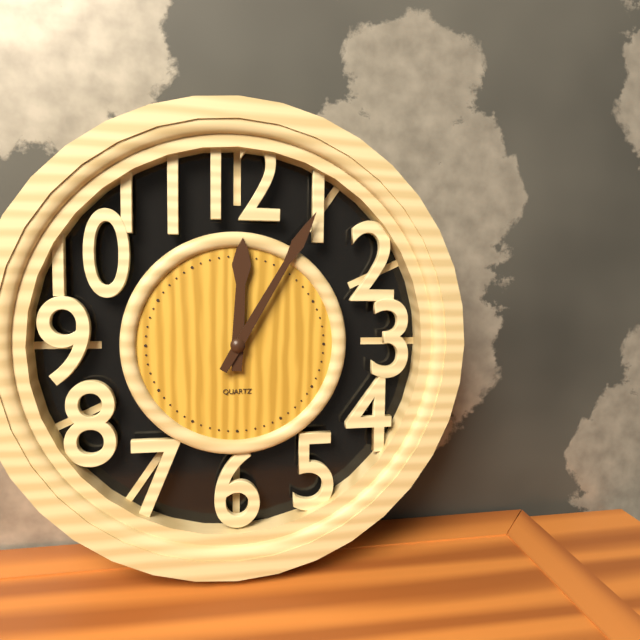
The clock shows 12:05
